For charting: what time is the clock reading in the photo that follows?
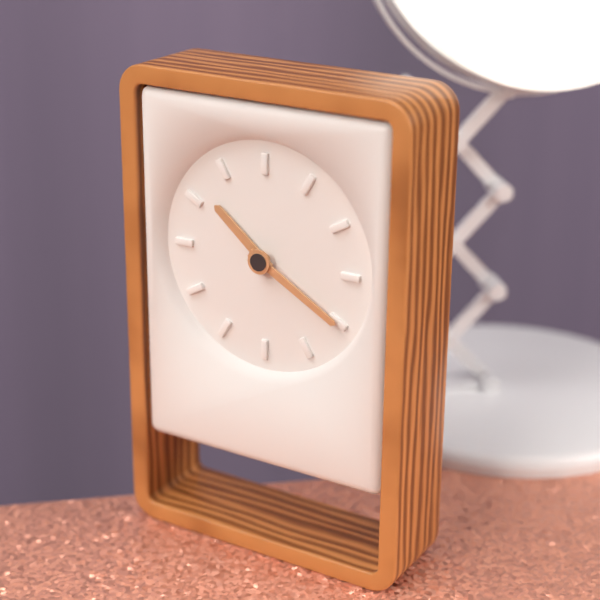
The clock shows 10:20
